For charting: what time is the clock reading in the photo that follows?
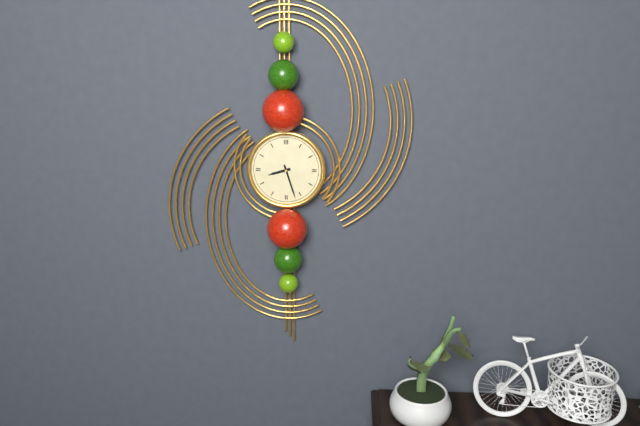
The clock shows 8:27
